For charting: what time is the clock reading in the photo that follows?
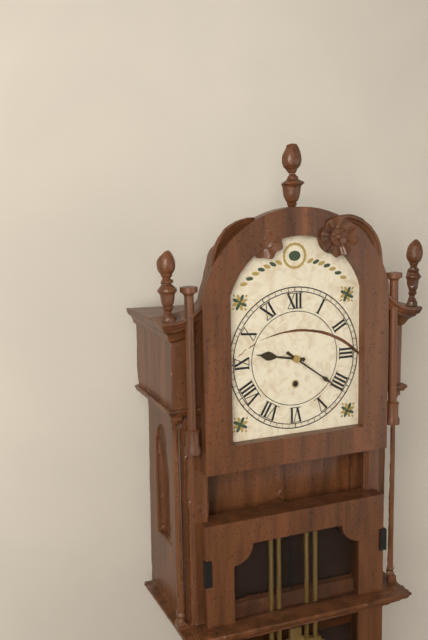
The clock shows 9:21
